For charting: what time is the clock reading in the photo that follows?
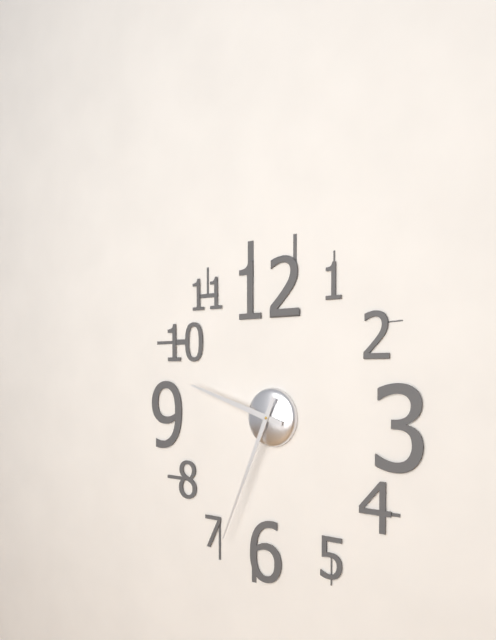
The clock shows 9:34
